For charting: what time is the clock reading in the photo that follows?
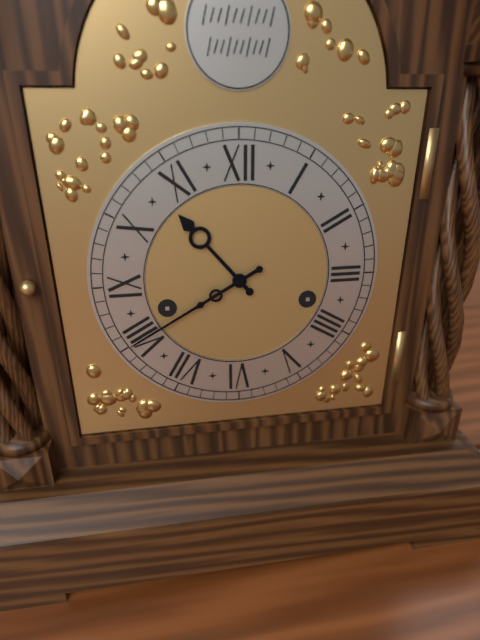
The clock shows 10:40
